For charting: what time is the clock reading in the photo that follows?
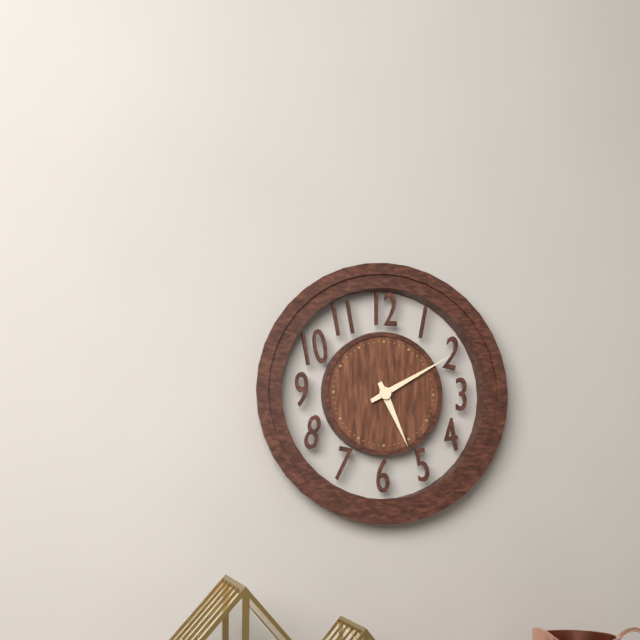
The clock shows 5:10
